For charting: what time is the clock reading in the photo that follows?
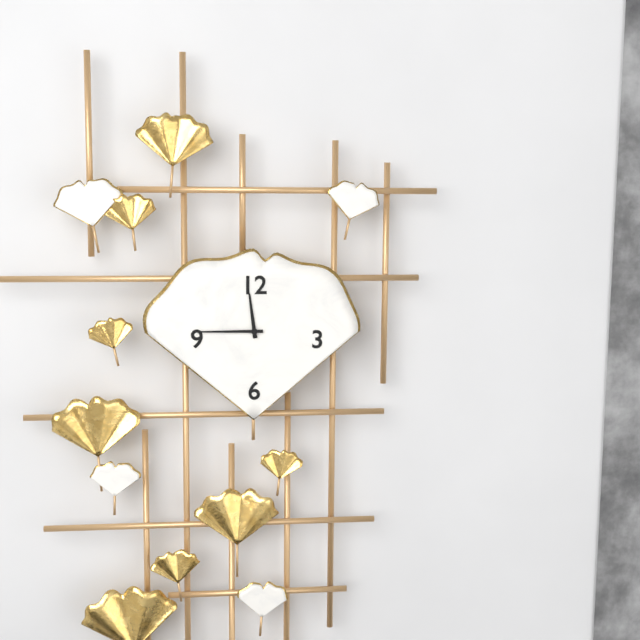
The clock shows 11:45
